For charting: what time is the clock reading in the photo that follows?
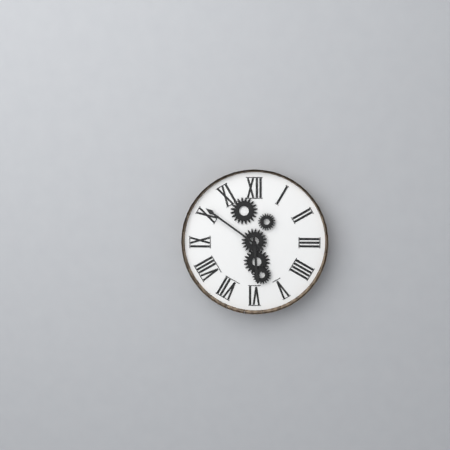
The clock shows 5:51
